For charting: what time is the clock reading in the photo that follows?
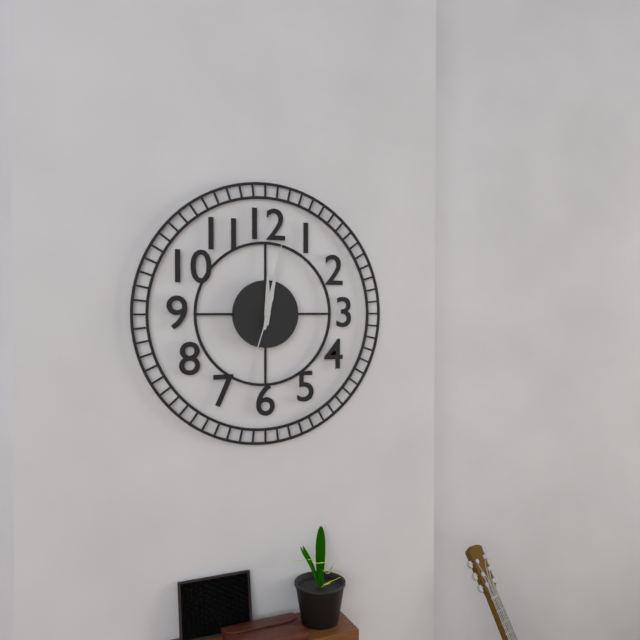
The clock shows 12:02:33
